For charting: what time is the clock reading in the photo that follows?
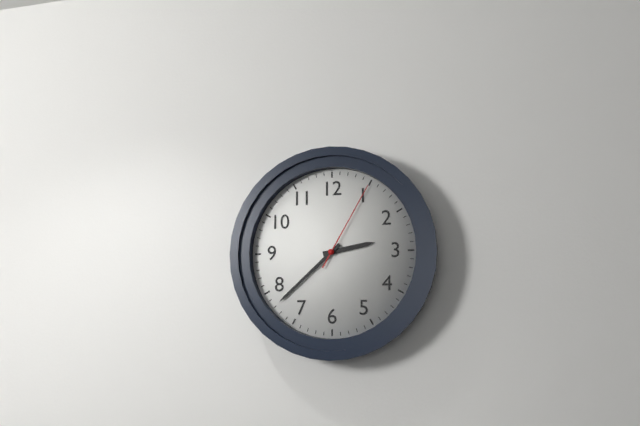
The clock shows 2:38:05
